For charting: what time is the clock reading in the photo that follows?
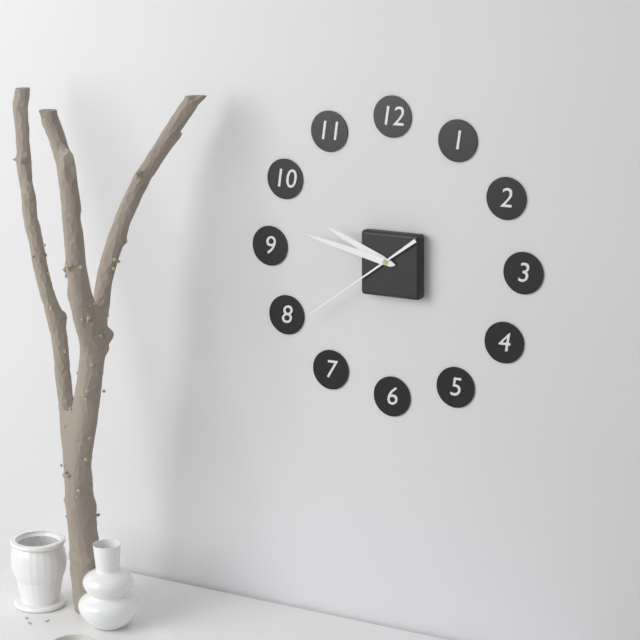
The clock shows 9:47:39
